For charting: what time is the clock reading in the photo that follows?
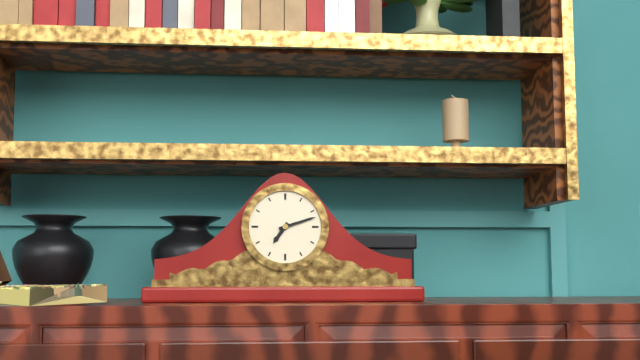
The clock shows 7:12
